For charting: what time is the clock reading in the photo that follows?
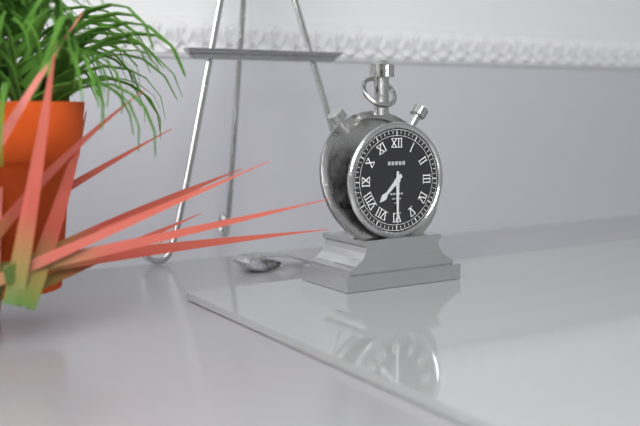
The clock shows 7:30
